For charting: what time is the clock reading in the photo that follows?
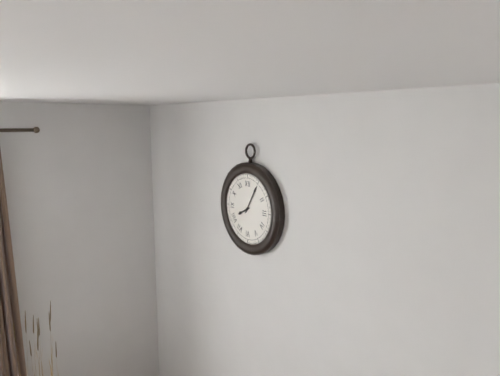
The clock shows 8:05
